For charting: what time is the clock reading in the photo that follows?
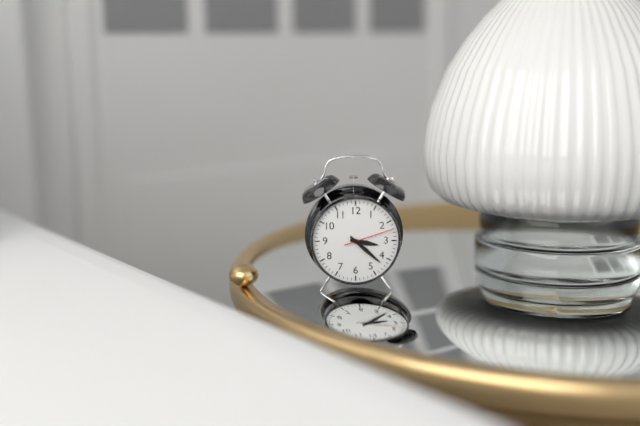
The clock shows 3:22
